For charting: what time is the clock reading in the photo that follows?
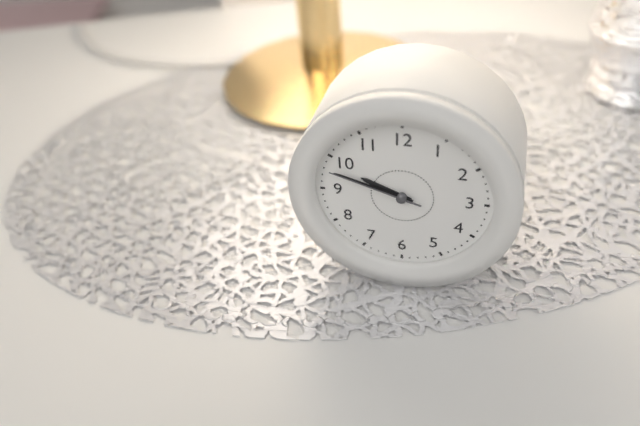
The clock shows 9:48:48
